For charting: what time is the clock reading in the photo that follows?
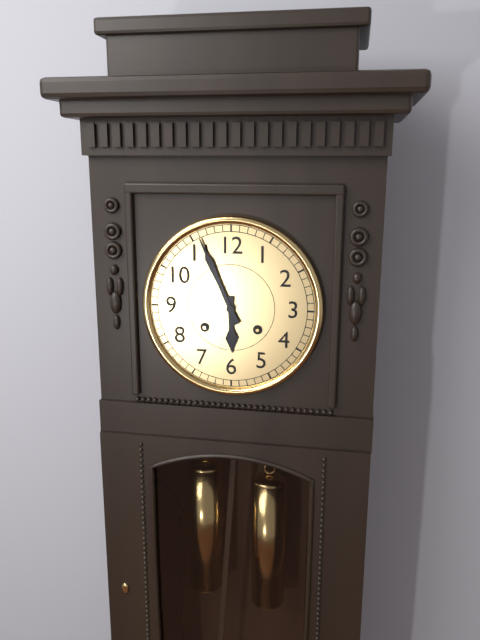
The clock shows 5:56
